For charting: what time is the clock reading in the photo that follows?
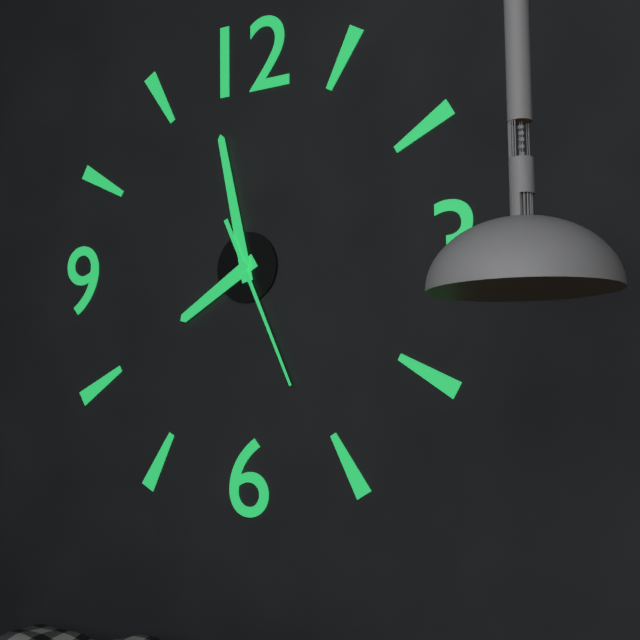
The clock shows 7:58:26
